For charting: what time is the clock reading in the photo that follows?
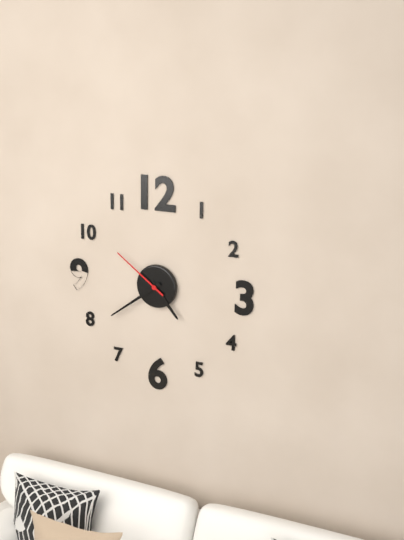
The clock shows 4:39:51
